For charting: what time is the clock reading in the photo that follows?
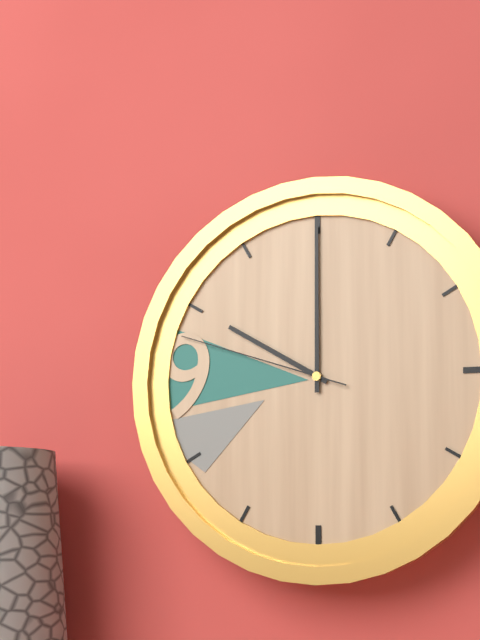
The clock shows 10:00:48
